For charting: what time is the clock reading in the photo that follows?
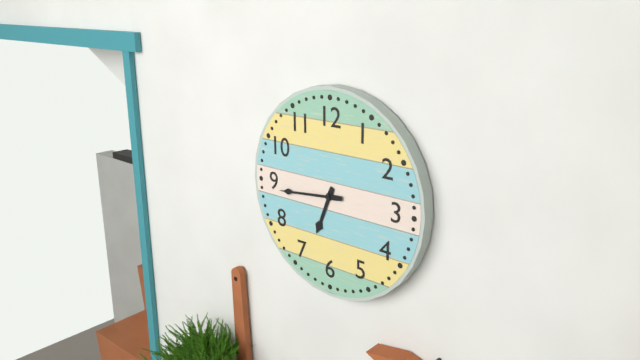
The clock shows 6:44
